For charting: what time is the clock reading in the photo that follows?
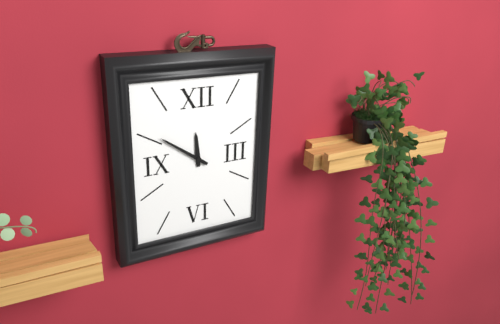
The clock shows 11:51
